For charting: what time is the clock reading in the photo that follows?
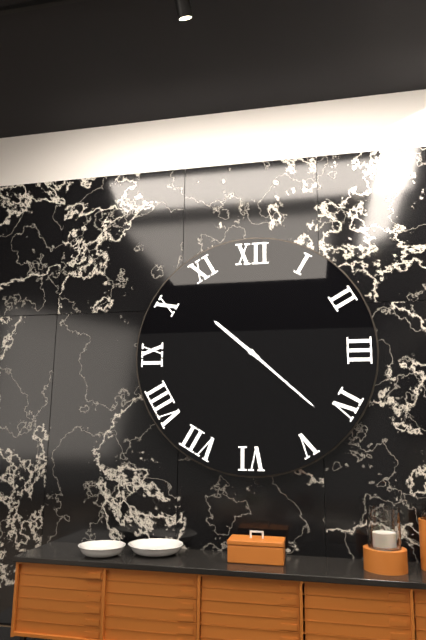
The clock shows 10:22
